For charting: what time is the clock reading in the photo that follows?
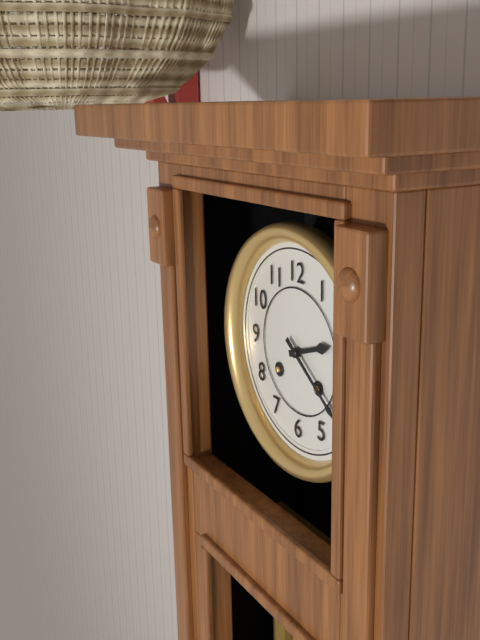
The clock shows 2:21
